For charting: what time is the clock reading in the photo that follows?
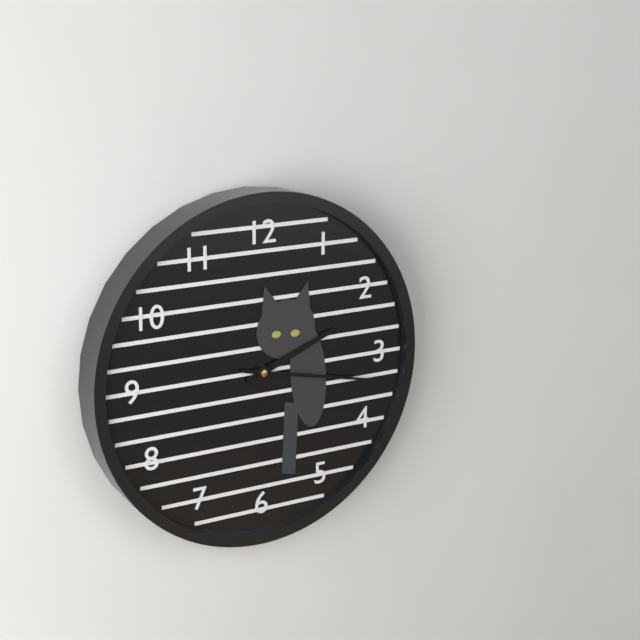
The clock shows 2:17
